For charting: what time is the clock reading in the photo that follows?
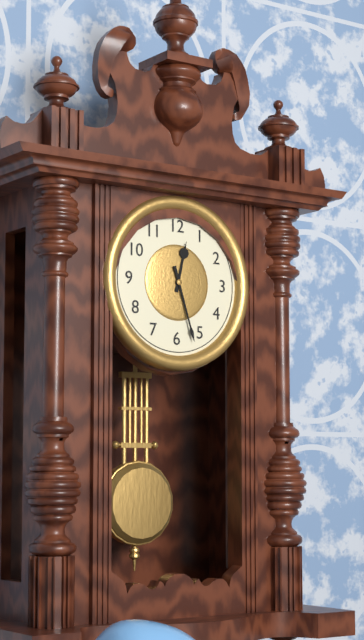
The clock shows 12:27
